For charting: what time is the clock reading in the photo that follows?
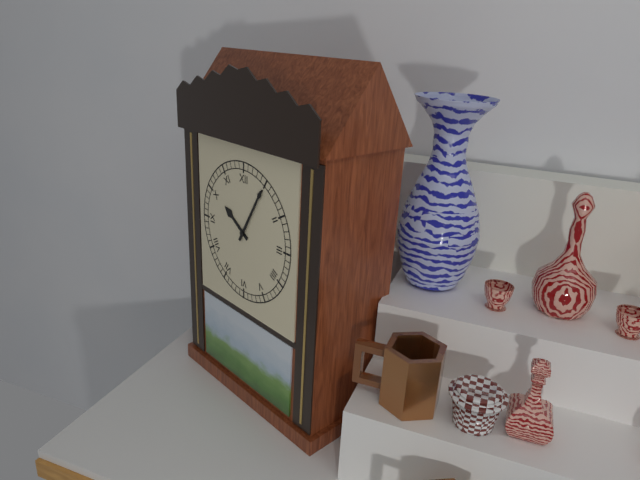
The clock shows 10:05
